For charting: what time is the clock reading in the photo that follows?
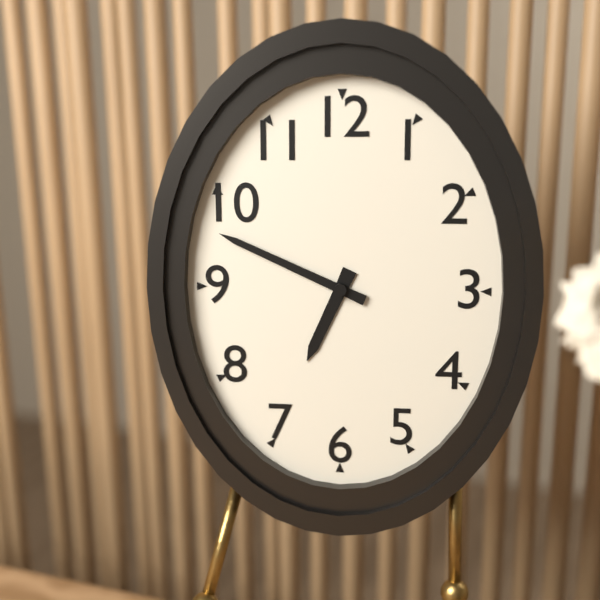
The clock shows 6:49
